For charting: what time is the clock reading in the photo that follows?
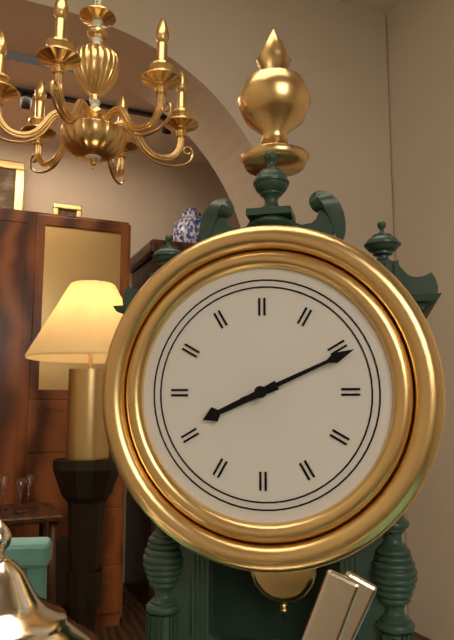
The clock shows 8:11
